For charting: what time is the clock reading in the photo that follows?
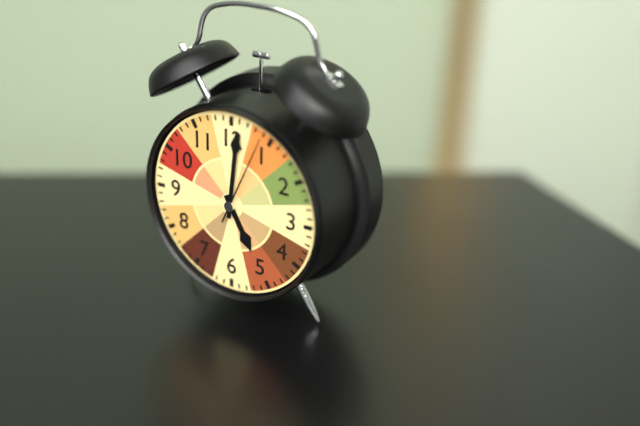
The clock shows 5:01:04
